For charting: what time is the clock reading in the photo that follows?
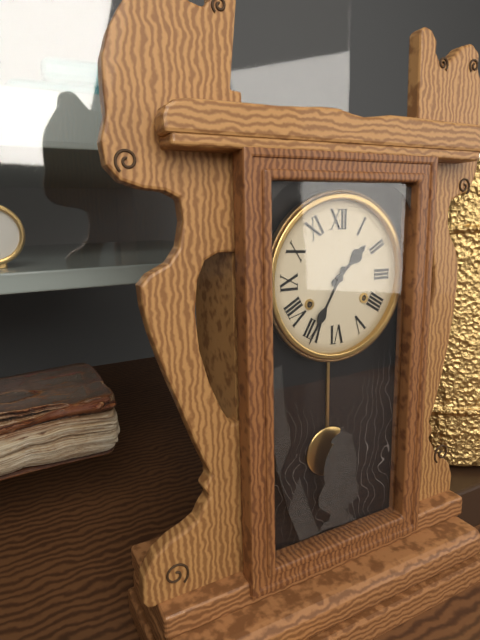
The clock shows 1:35
